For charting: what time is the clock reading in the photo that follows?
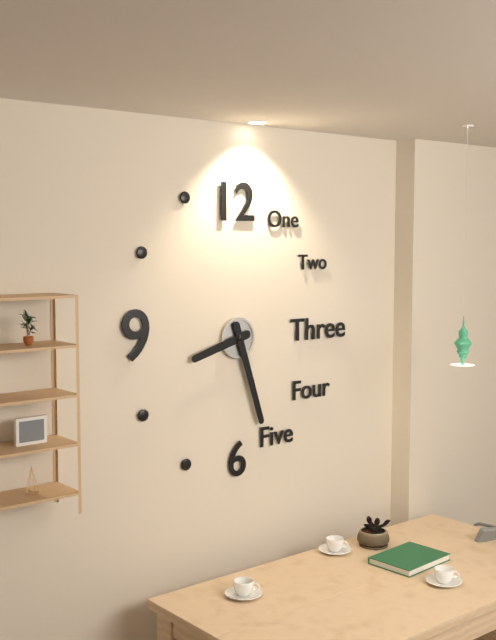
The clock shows 8:27
